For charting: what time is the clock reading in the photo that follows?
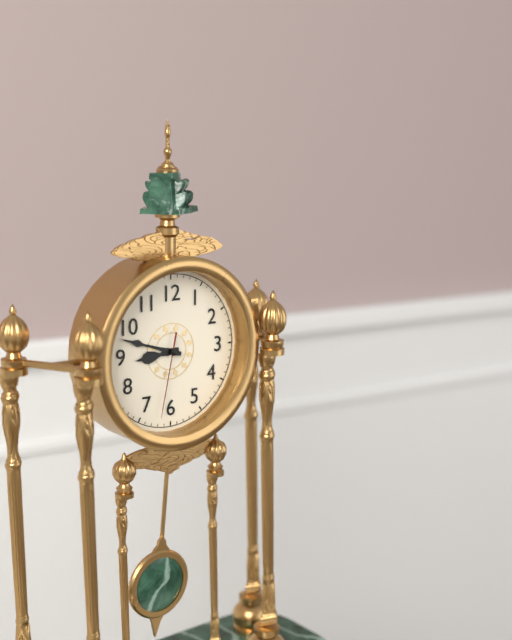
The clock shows 8:48:32
